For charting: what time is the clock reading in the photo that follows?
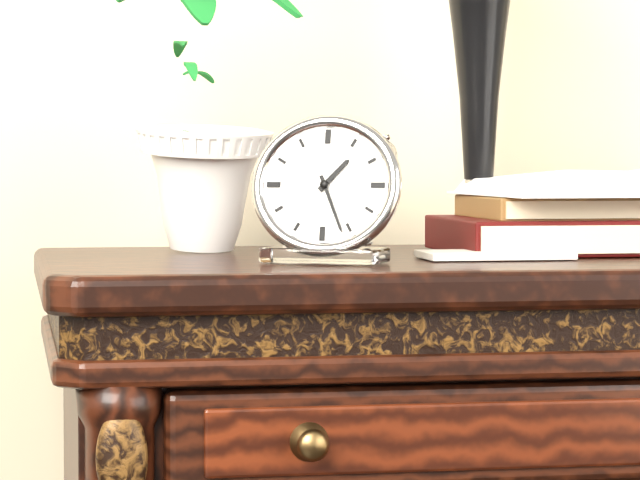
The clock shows 1:26
